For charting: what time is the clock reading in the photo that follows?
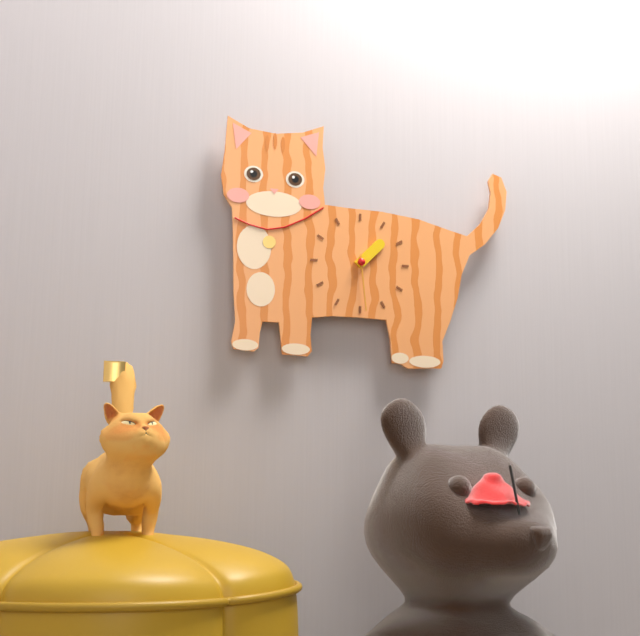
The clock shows 1:29
